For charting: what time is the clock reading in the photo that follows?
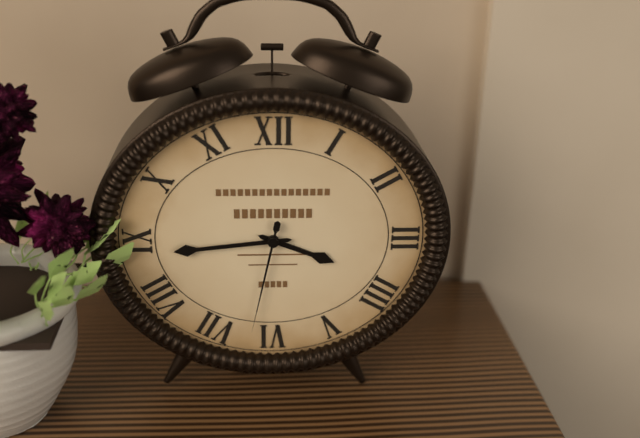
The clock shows 3:44:32
